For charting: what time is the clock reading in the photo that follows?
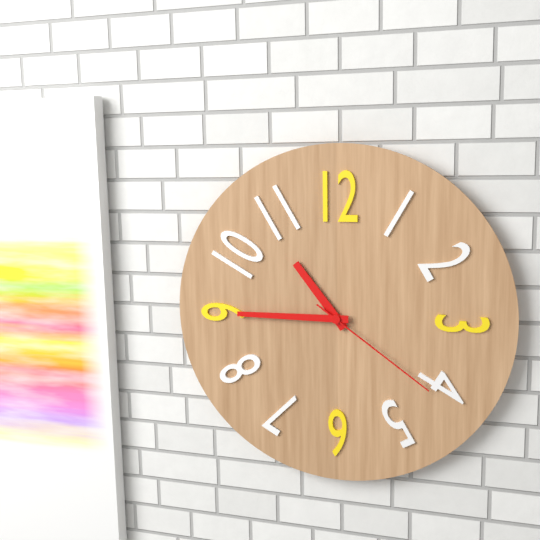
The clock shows 10:45:21
